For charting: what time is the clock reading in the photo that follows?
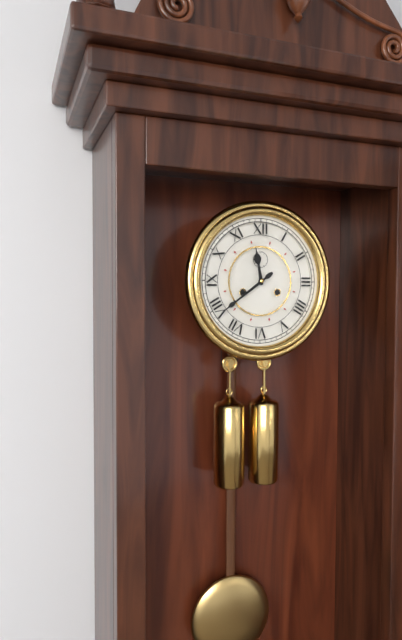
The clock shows 11:39
